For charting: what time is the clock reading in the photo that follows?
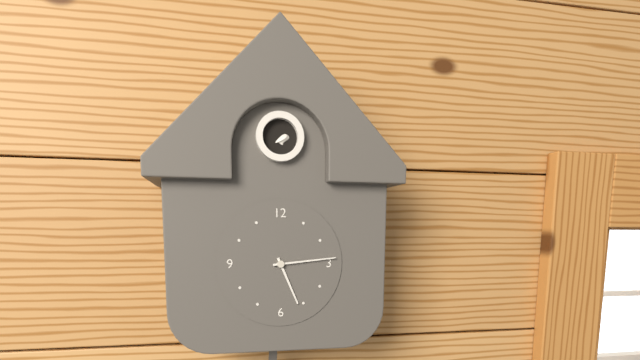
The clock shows 5:14
